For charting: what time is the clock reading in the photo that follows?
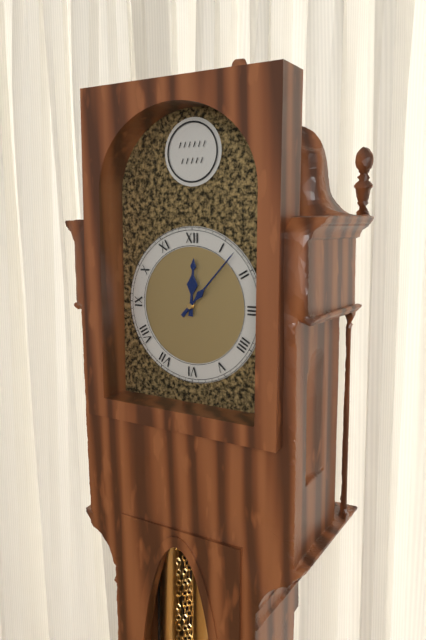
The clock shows 12:07
